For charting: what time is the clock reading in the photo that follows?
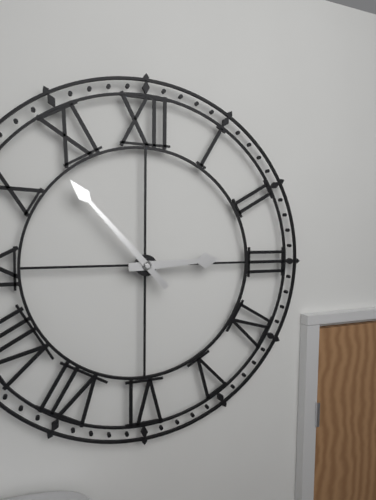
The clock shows 2:53
